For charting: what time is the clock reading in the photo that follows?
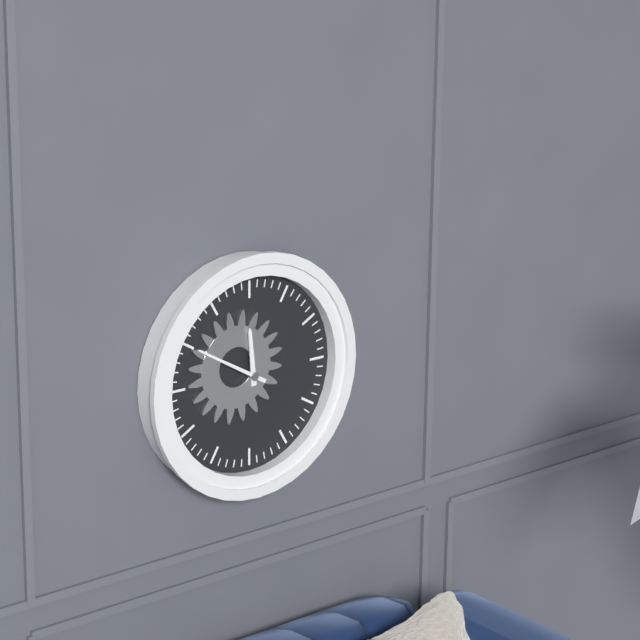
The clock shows 11:50
